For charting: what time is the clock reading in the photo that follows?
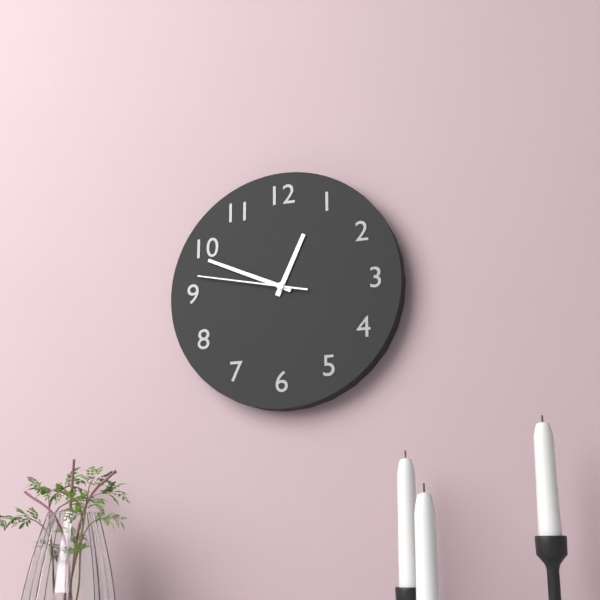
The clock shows 12:49:47
